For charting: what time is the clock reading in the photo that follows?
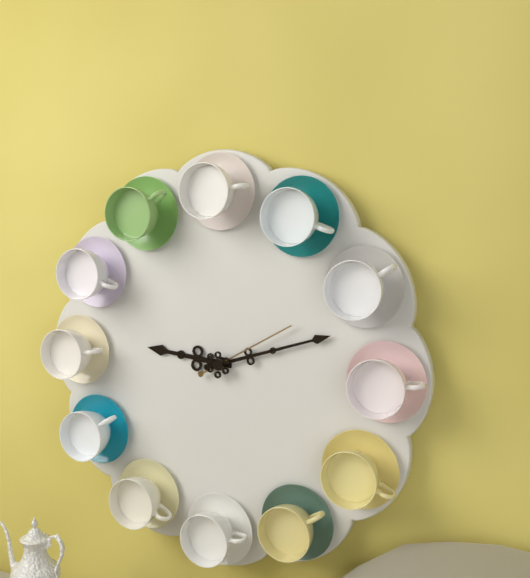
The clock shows 9:12:10
